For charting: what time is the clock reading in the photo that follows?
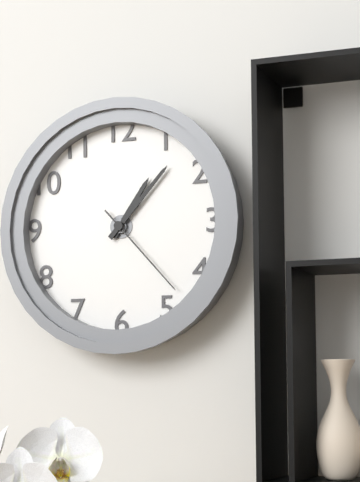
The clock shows 1:07:23
